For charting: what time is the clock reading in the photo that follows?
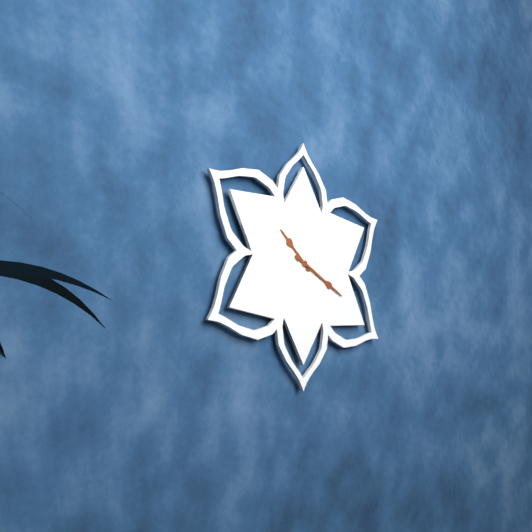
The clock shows 10:19
